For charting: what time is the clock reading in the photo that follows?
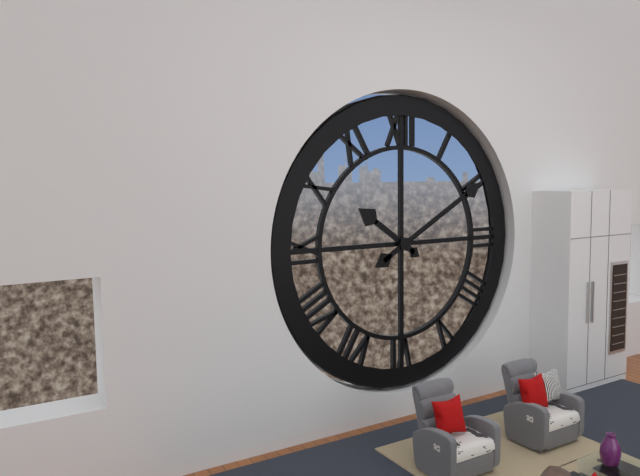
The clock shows 10:10
